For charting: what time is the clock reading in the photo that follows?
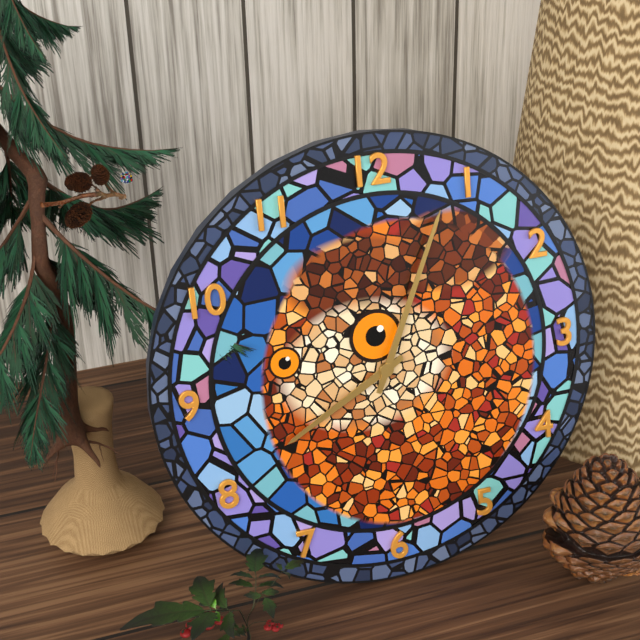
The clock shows 8:04
